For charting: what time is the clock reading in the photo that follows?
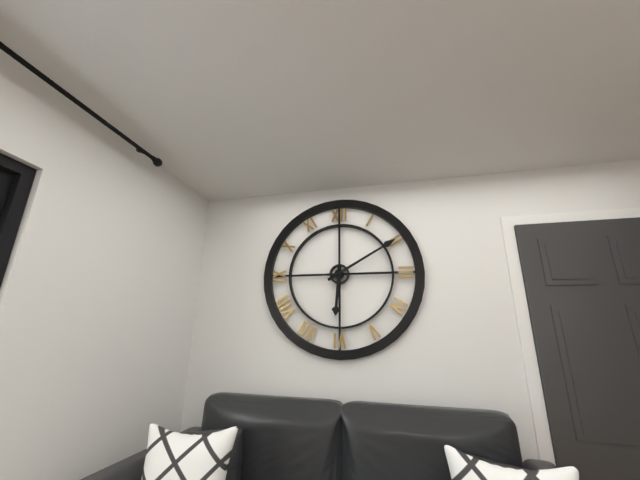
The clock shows 6:10
